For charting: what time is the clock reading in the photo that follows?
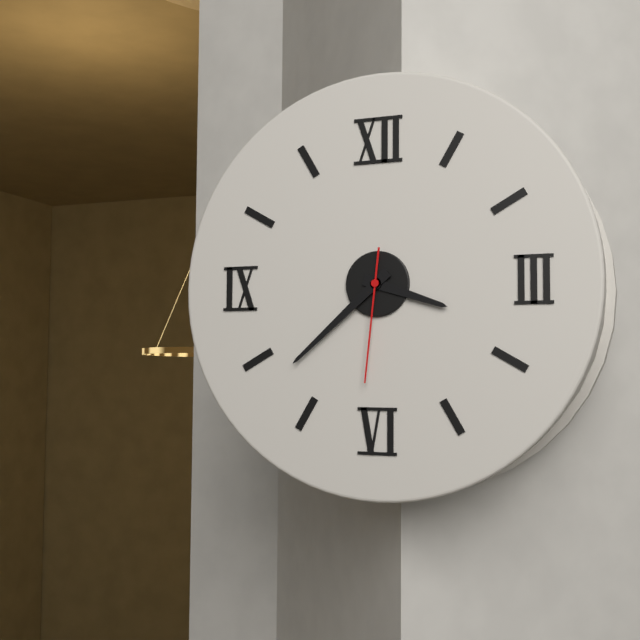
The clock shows 3:38:31
